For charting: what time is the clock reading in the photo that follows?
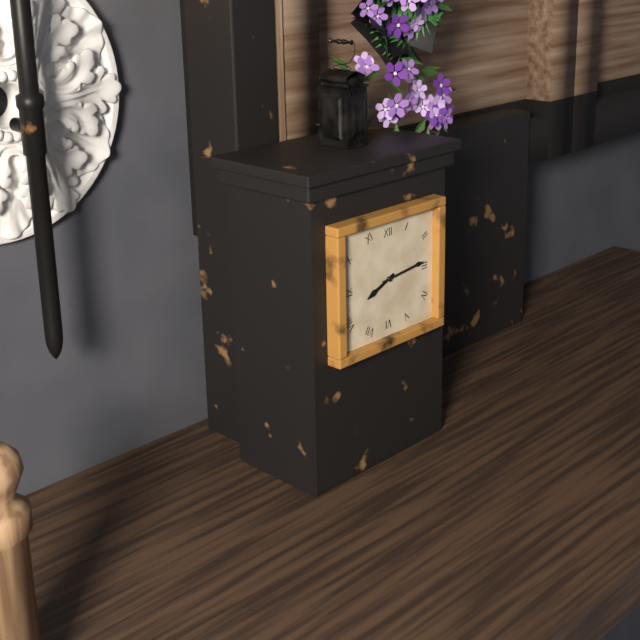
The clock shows 8:14
